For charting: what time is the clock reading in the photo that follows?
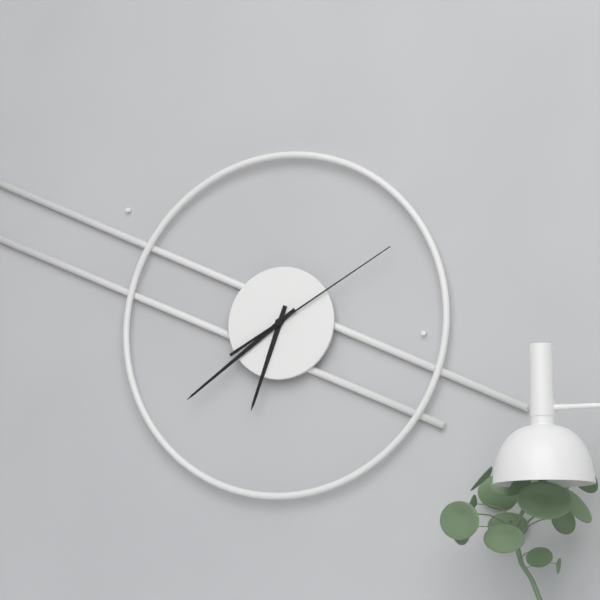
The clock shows 6:39:10
